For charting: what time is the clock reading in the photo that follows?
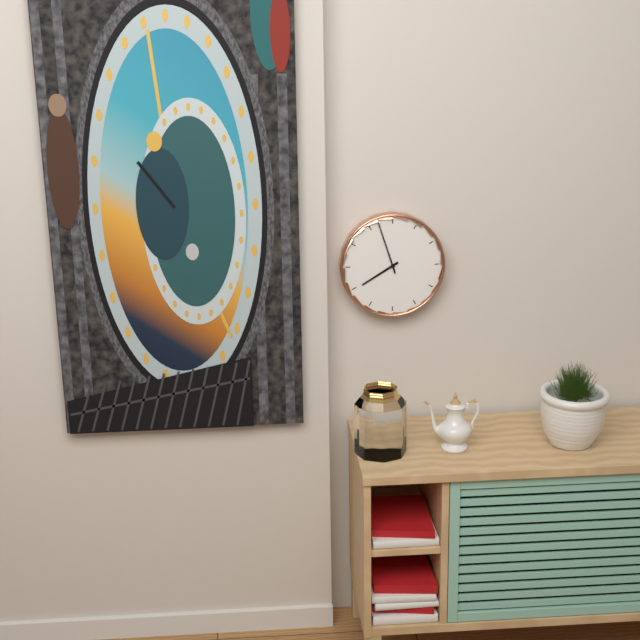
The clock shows 7:57
